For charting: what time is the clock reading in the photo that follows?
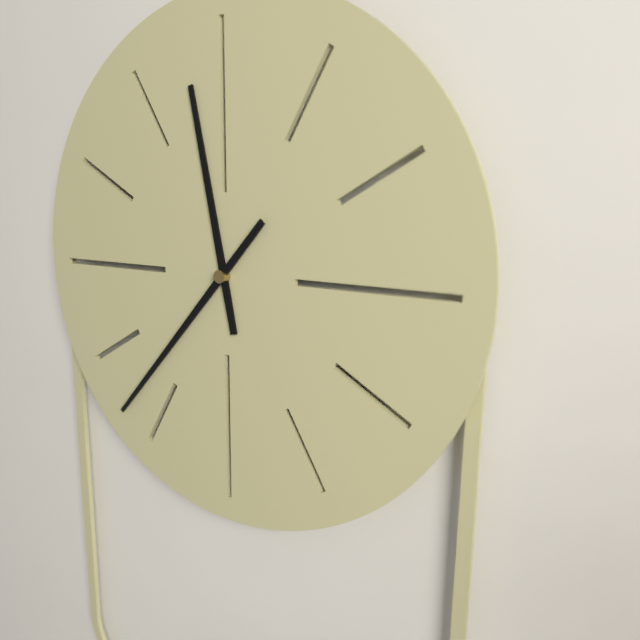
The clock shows 11:37
